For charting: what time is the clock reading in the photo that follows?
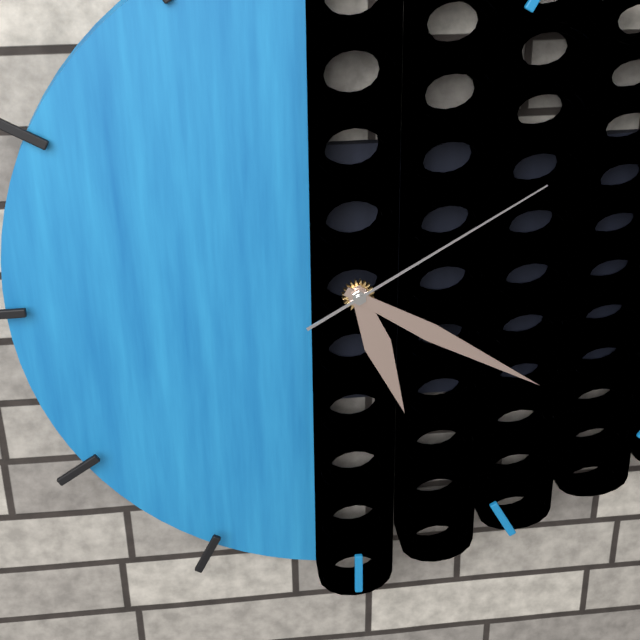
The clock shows 5:20:10
